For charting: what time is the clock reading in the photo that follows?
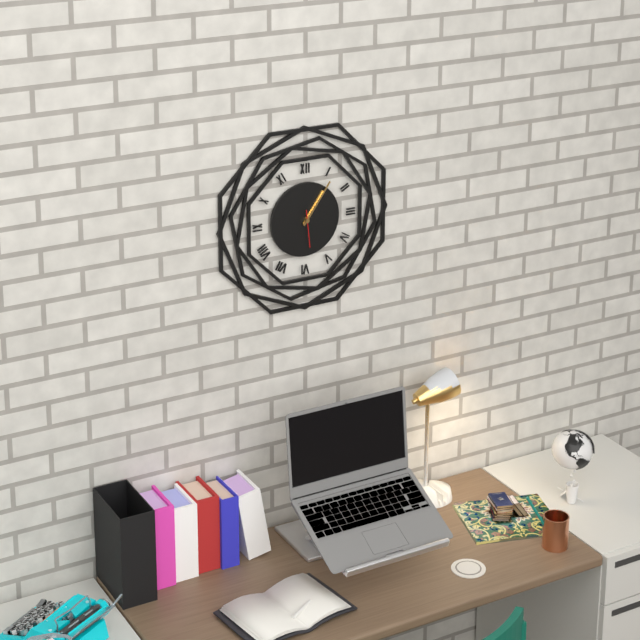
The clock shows 1:06
